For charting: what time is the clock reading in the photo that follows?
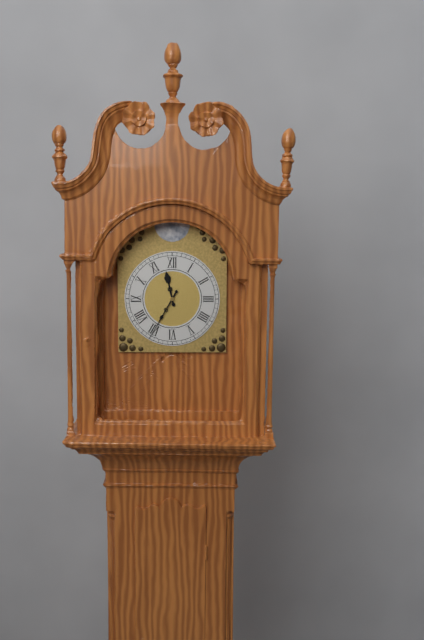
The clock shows 11:35
